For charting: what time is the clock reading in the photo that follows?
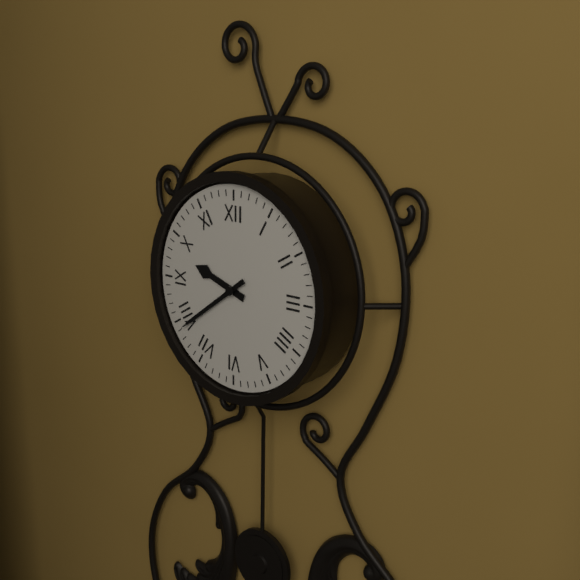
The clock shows 9:39
